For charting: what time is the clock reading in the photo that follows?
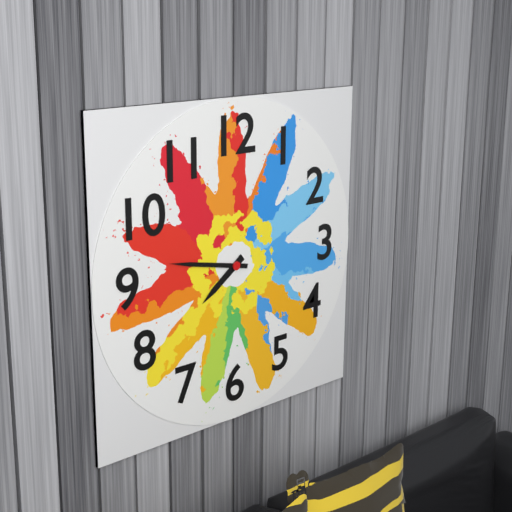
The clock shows 7:47
